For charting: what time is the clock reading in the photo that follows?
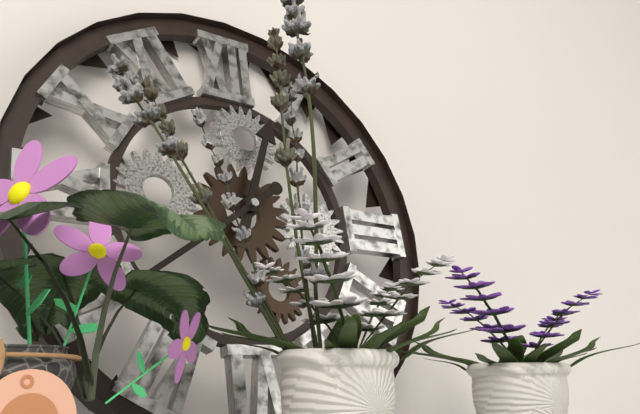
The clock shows 12:39
